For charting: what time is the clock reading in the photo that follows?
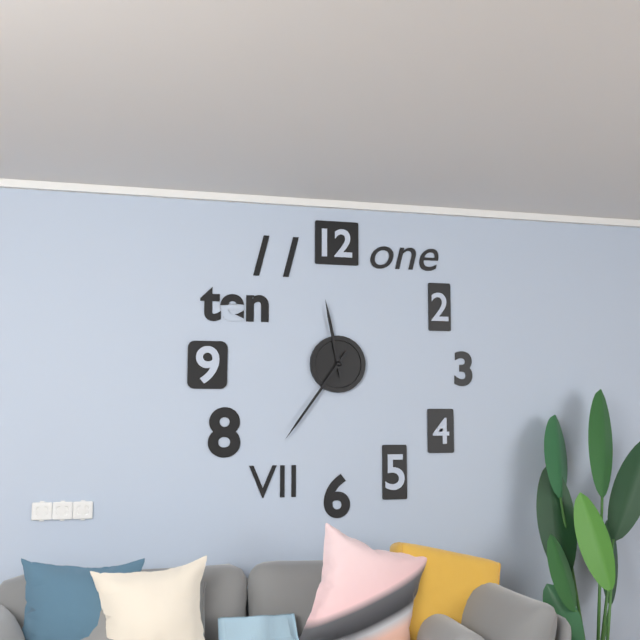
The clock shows 11:36
